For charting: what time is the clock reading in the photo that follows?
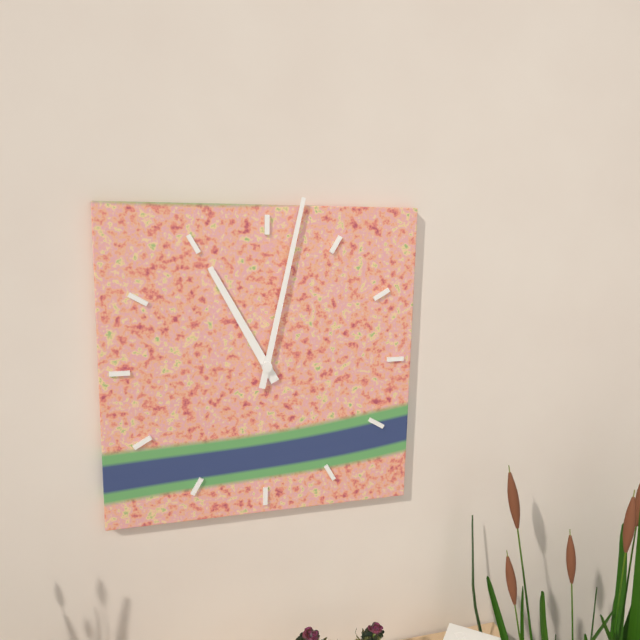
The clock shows 11:02
